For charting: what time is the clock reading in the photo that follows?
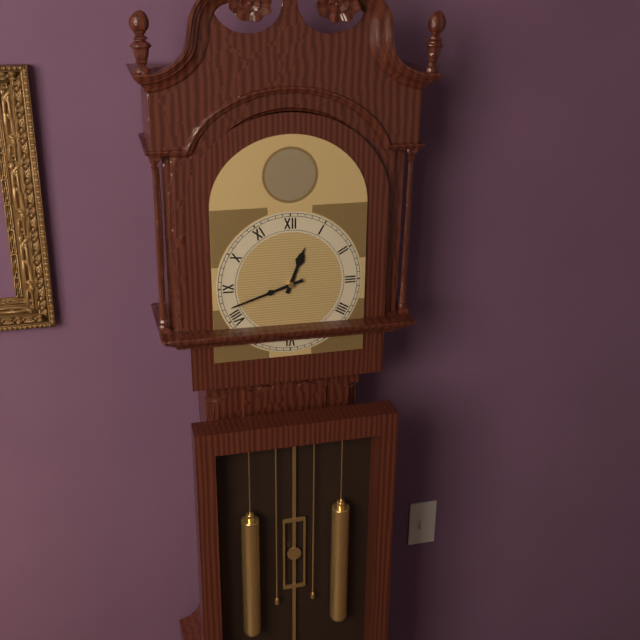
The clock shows 12:42
